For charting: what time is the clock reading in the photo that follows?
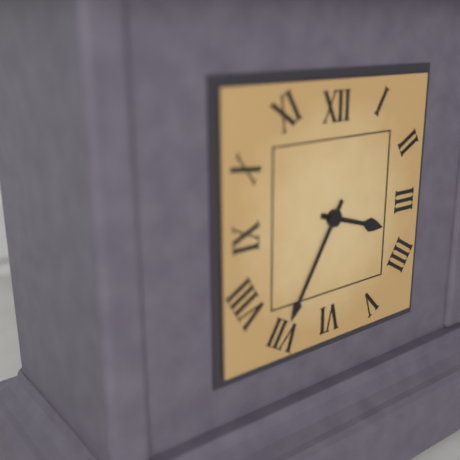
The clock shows 3:35
